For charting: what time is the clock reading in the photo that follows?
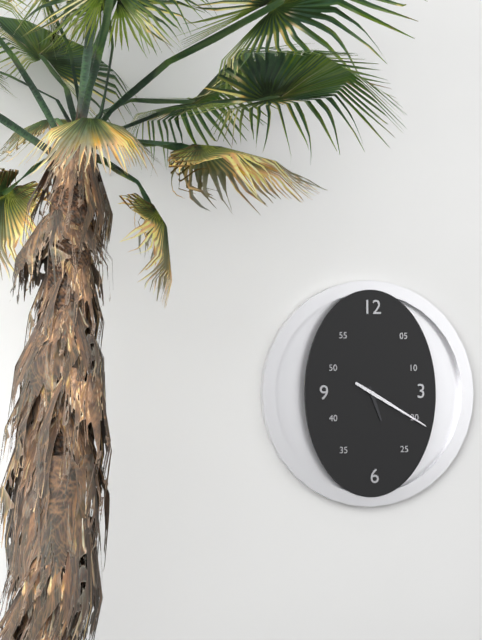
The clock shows 5:20
